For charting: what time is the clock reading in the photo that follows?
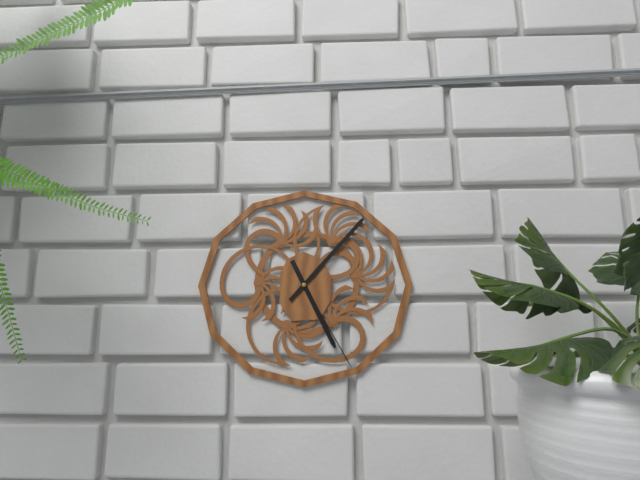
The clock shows 5:07:25
